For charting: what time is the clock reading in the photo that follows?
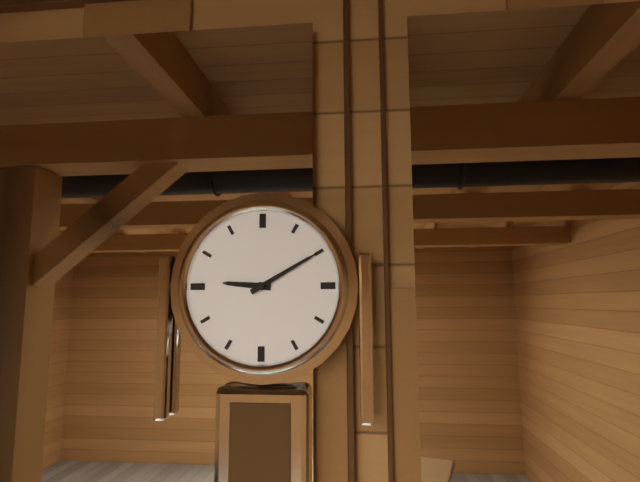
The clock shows 9:10
